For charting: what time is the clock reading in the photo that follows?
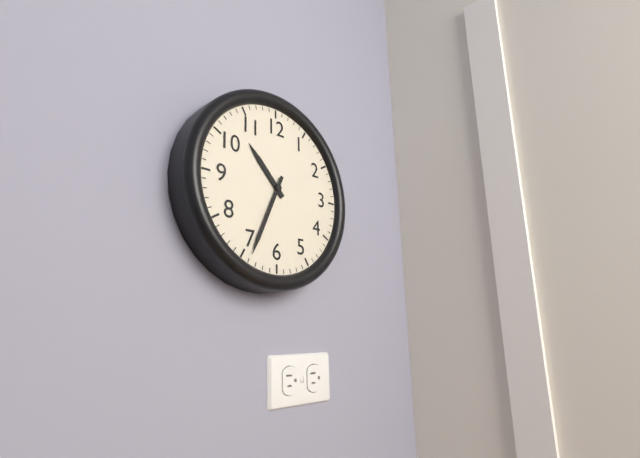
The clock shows 10:34
